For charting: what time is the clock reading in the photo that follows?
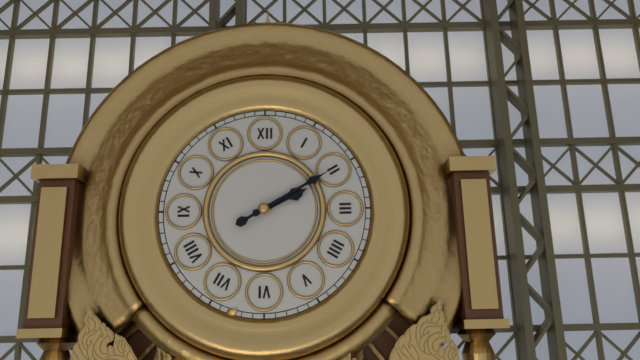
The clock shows 2:10
